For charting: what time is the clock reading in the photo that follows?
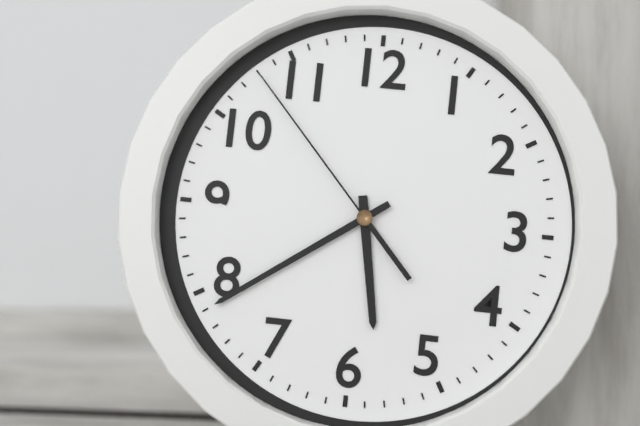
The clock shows 5:39:53
